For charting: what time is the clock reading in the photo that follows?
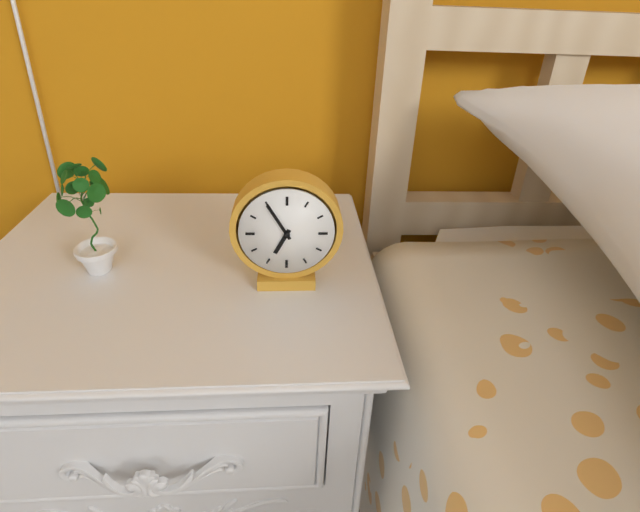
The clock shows 6:55
